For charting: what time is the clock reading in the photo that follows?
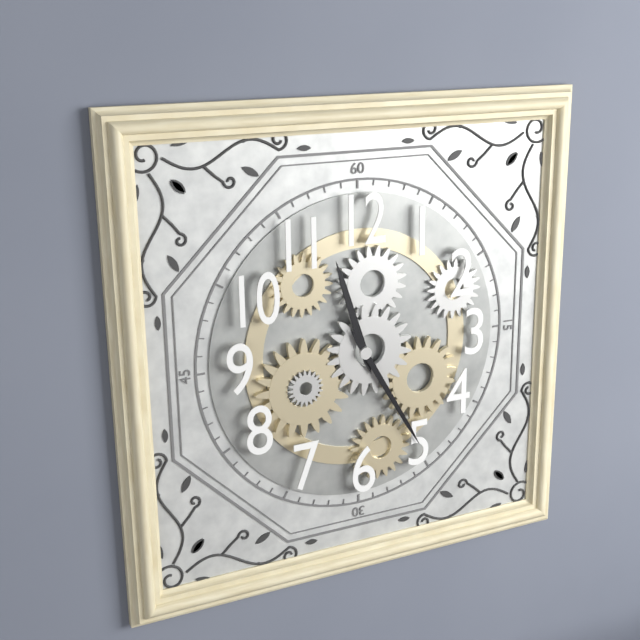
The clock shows 11:25
